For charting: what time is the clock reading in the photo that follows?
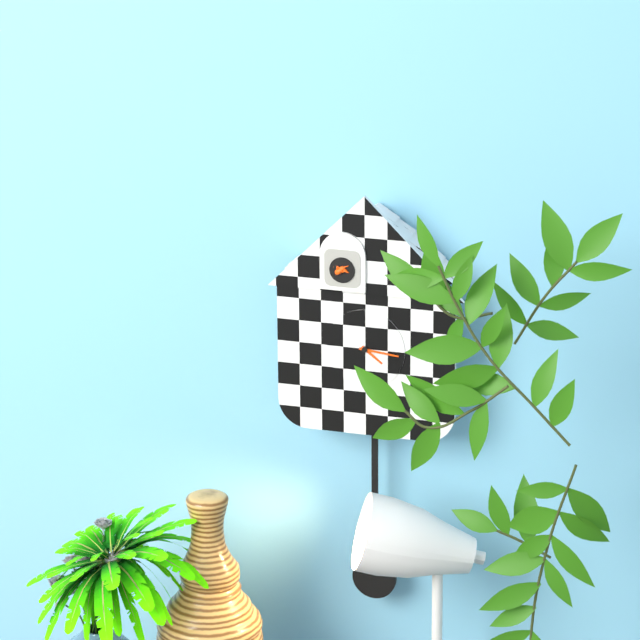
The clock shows 4:16
